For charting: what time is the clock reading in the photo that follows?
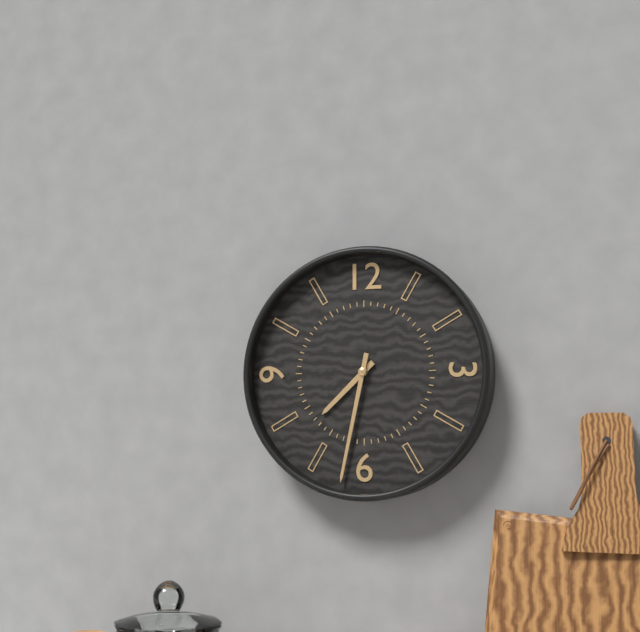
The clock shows 7:32
